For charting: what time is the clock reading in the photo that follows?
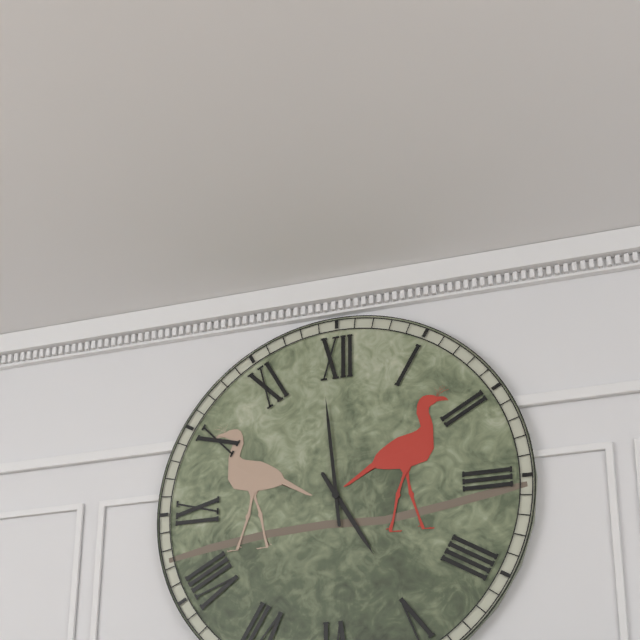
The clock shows 4:59
